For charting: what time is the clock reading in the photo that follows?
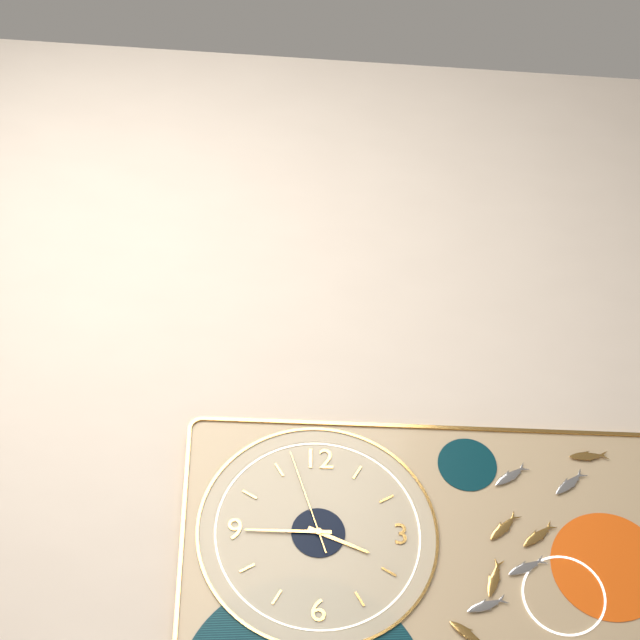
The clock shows 3:45:57
